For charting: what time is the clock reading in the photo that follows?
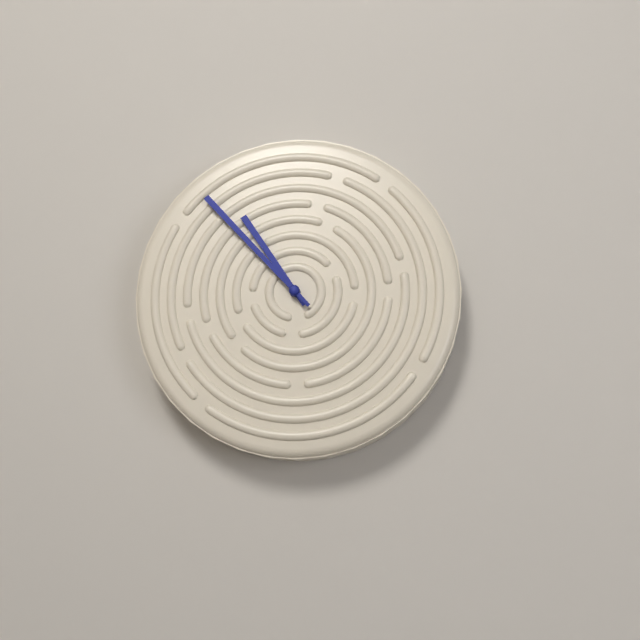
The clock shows 10:53
